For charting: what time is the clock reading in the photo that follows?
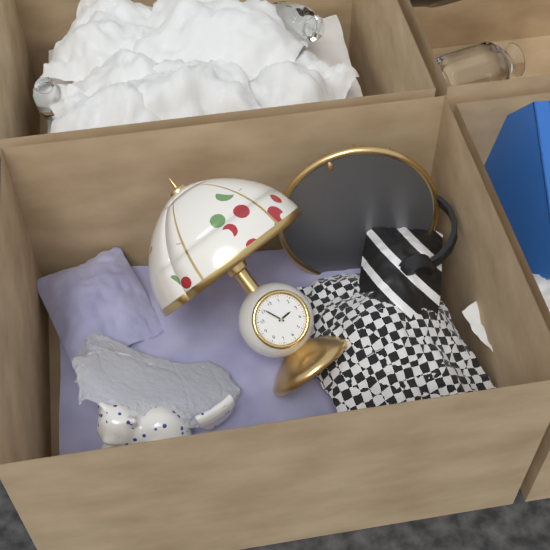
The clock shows 2:56
